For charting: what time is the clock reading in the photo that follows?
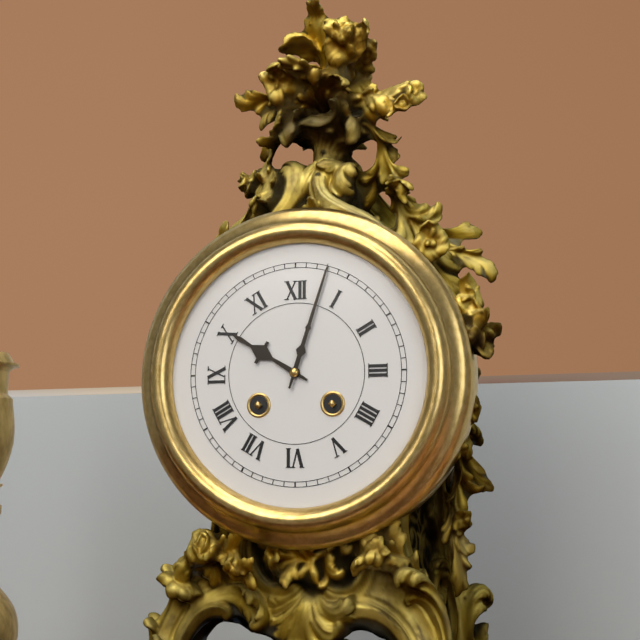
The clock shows 10:03
